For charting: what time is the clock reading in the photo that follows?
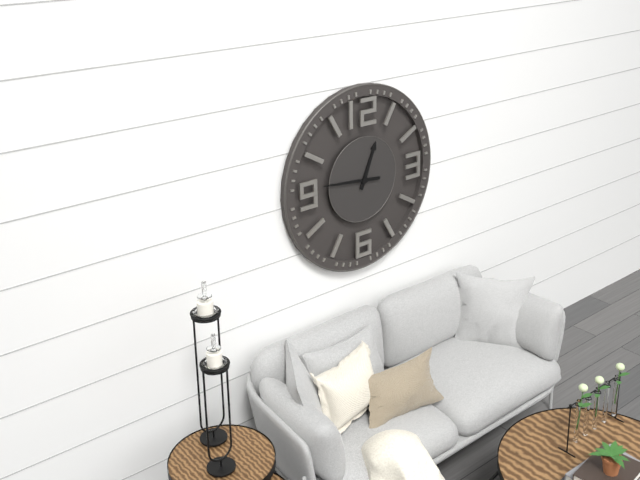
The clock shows 12:46
